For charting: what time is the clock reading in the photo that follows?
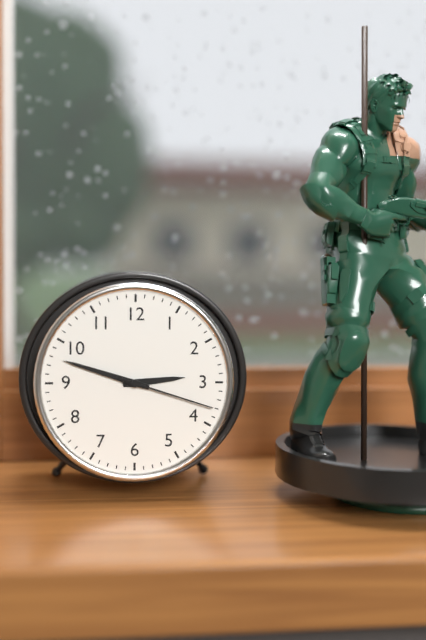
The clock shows 2:48:18
